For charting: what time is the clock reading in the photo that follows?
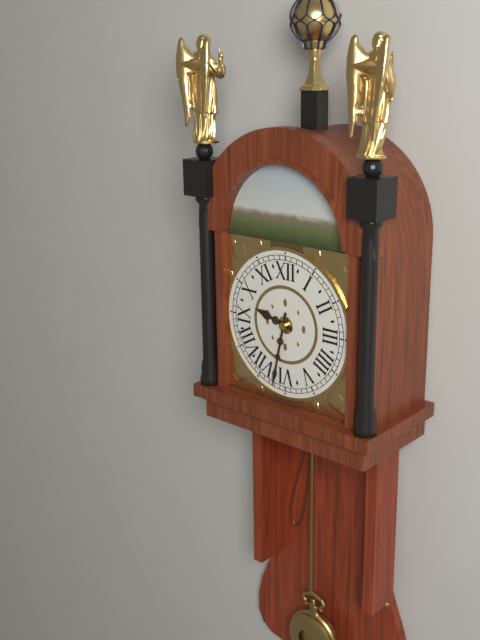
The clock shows 9:32
